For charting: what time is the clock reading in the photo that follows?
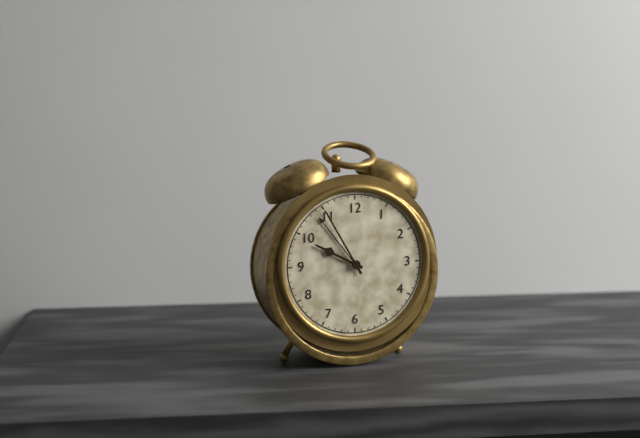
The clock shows 9:55
